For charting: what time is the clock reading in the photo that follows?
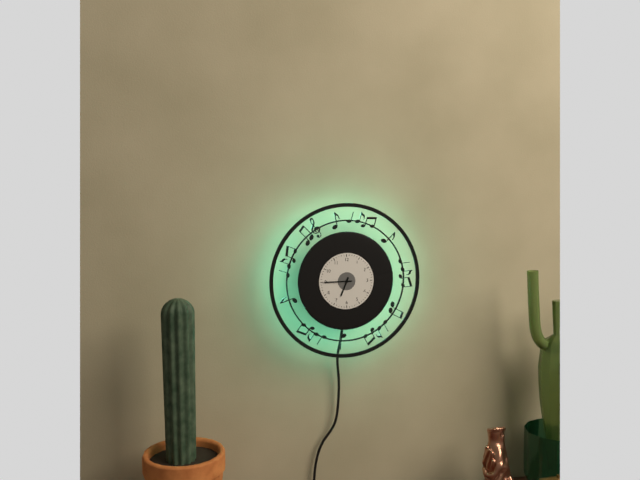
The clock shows 6:45
